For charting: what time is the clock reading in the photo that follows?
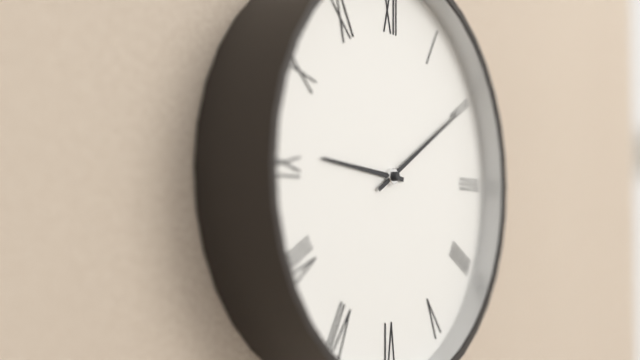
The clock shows 9:10
